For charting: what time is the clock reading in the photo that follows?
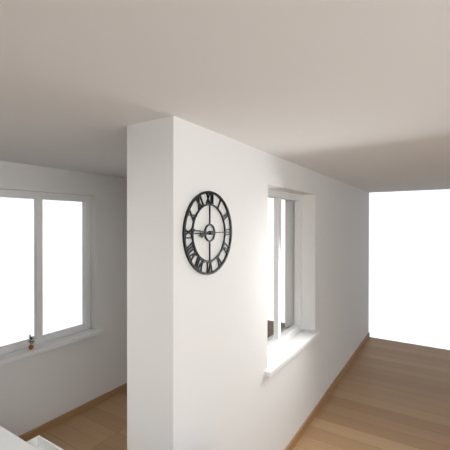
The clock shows 8:46
